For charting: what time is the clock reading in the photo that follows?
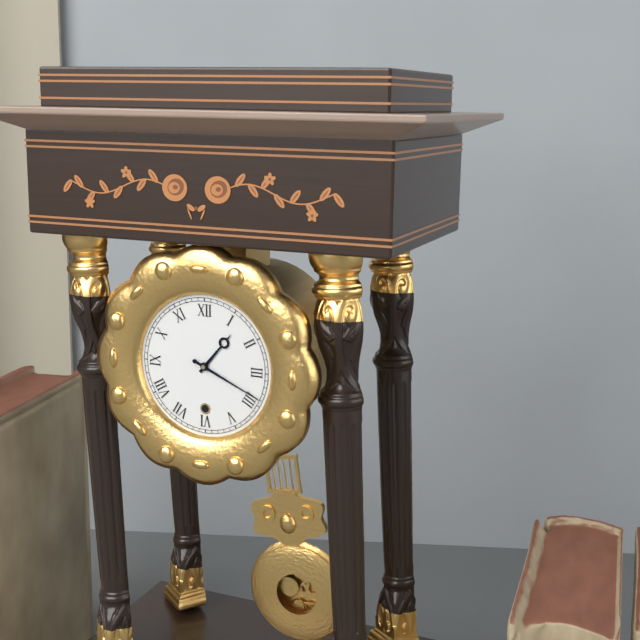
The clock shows 1:19
